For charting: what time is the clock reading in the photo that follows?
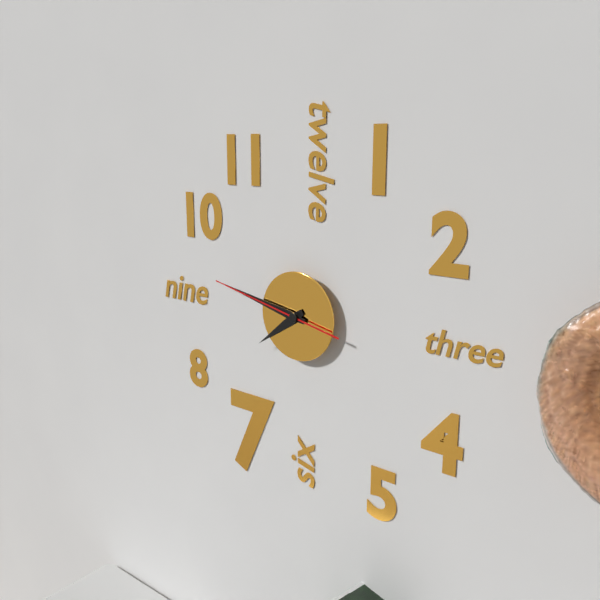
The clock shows 7:47:47
